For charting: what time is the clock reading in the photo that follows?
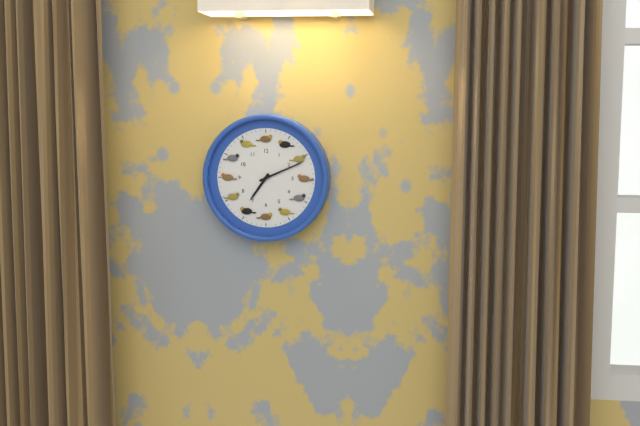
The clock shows 7:11
